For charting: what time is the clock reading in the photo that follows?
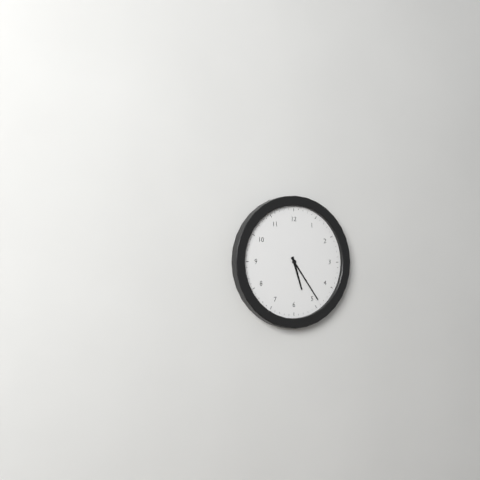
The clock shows 5:24
